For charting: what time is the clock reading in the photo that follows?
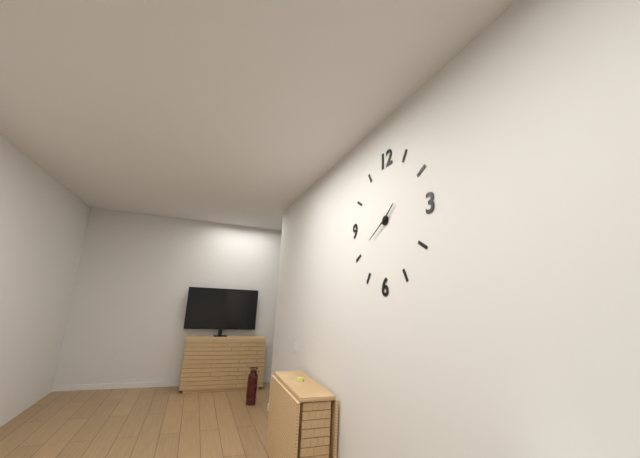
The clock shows 1:40
